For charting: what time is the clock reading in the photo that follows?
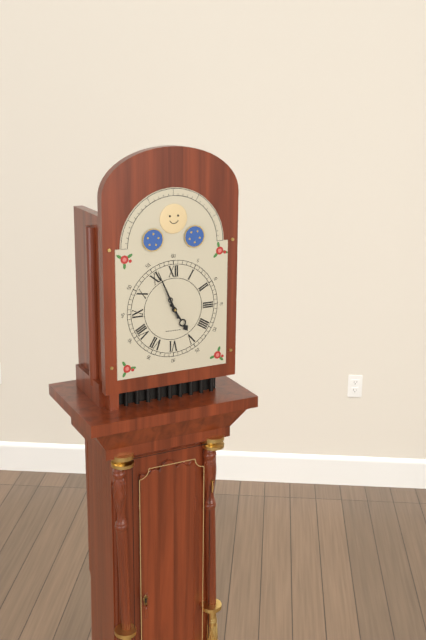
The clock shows 4:56
